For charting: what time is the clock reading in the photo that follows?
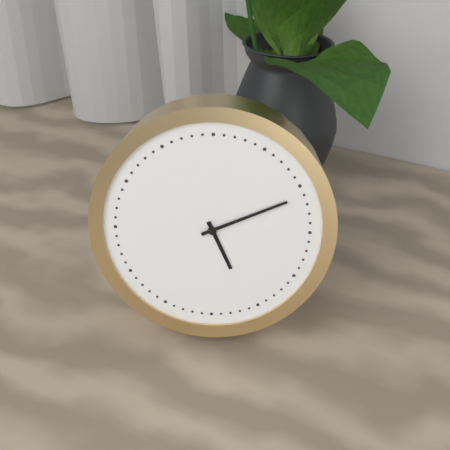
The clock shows 5:11
